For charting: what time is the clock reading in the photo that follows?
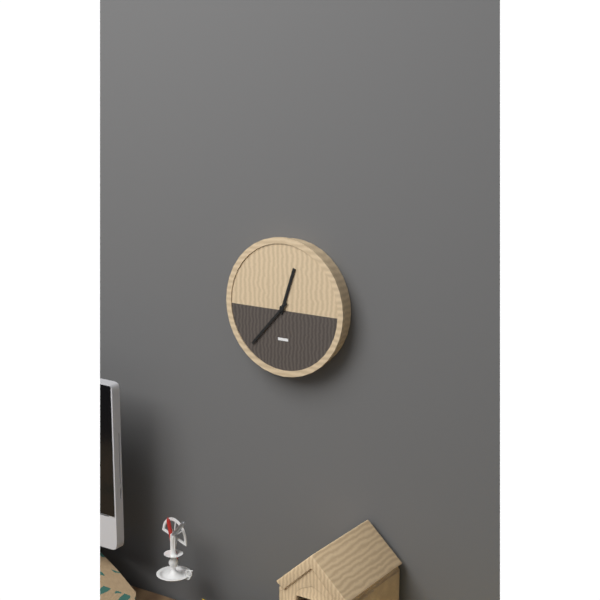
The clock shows 12:37
